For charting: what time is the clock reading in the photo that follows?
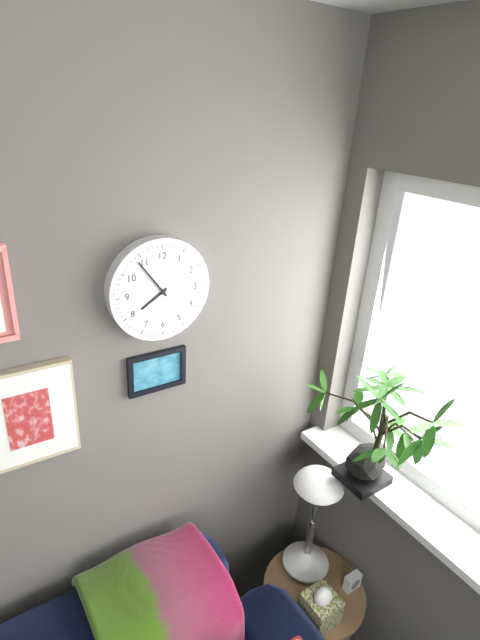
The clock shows 7:54
